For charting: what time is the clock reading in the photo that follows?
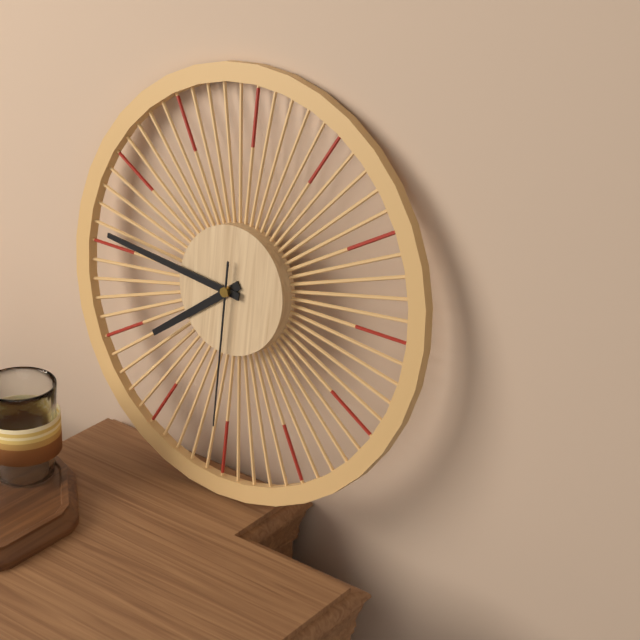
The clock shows 7:46:30
